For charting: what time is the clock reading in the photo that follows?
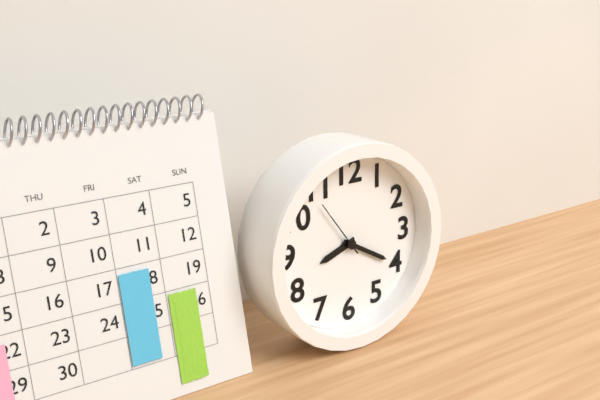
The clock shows 8:20:54
